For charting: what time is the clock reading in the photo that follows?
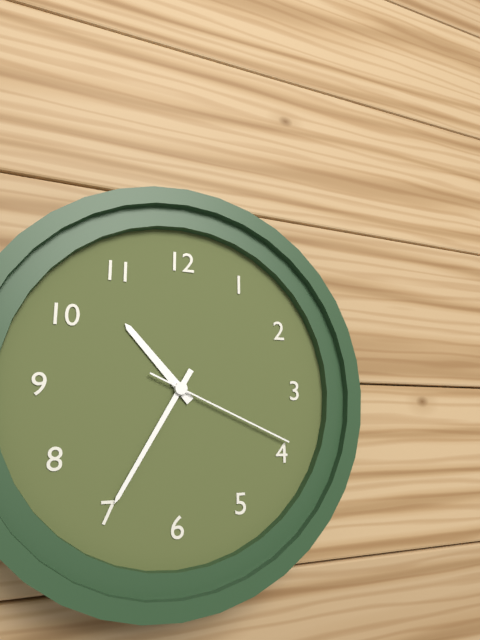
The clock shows 10:35:19
